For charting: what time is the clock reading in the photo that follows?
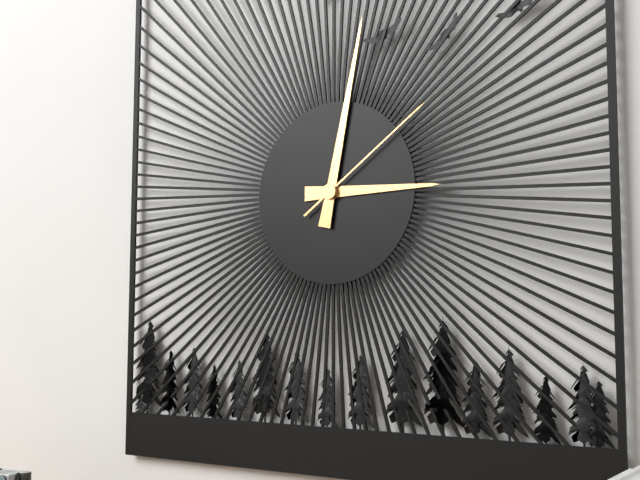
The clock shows 3:02:09
